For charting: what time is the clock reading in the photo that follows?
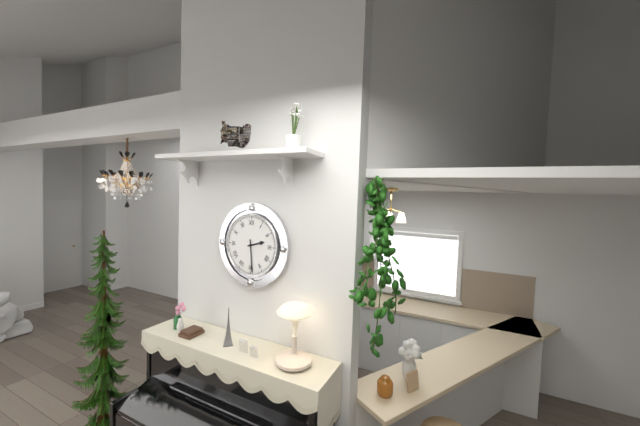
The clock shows 2:29
